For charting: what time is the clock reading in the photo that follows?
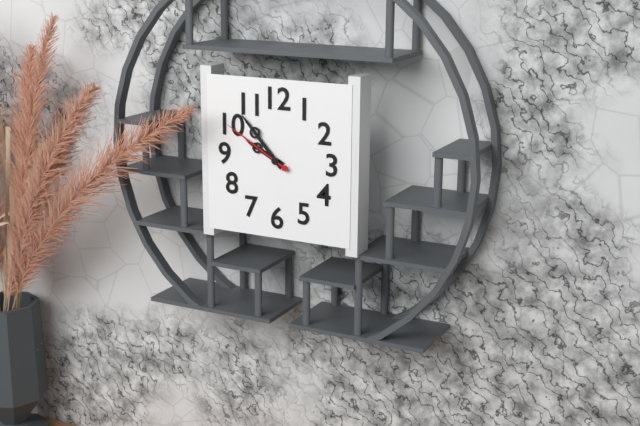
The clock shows 9:53:50
